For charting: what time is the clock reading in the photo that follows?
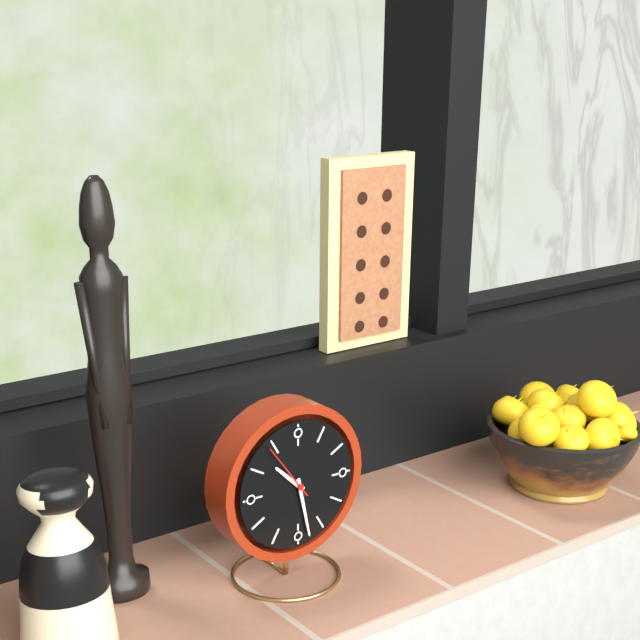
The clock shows 10:28:54
